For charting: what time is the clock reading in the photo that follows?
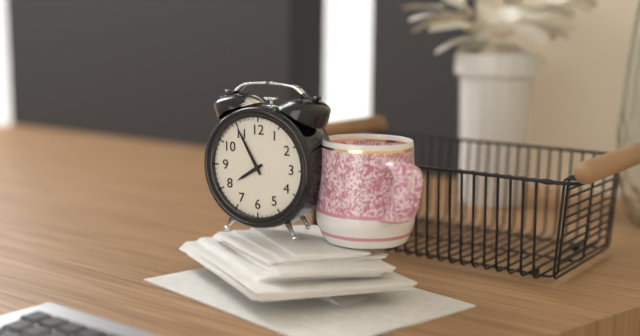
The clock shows 7:55
